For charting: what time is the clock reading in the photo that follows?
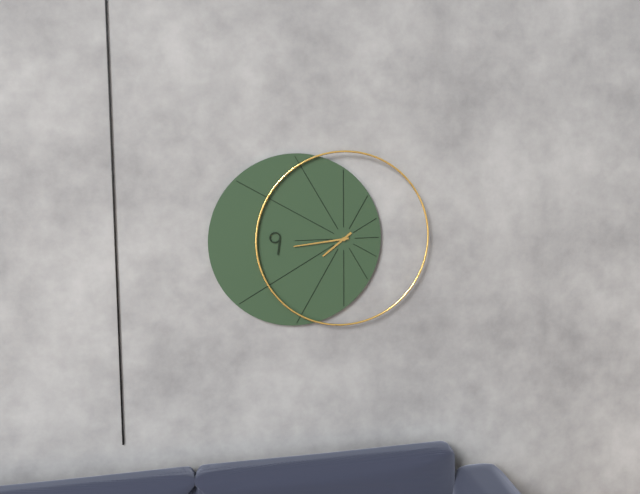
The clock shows 7:44
